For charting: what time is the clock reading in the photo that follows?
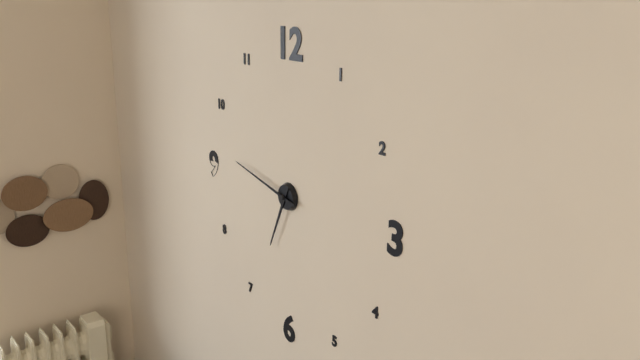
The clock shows 6:47
